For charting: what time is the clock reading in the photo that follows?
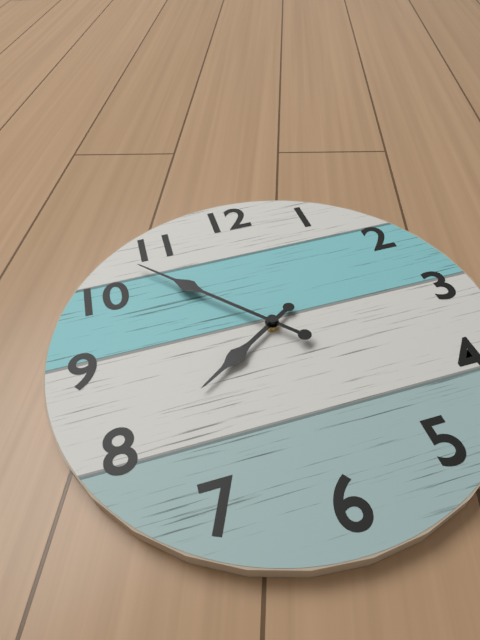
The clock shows 7:53
